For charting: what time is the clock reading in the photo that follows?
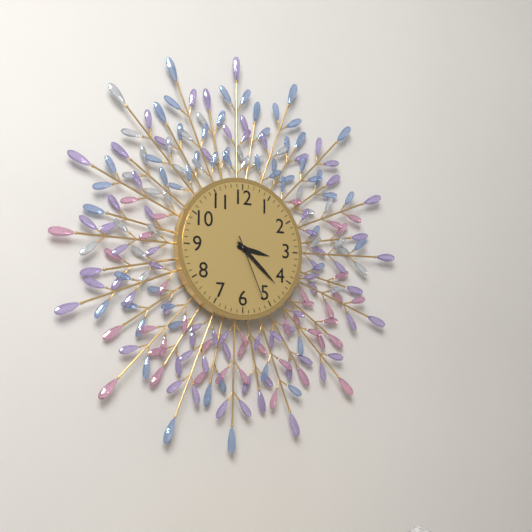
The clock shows 3:22:26
